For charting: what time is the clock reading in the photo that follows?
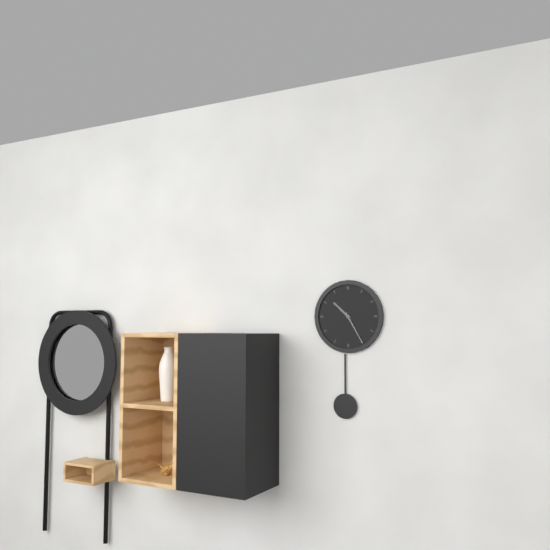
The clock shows 10:25
